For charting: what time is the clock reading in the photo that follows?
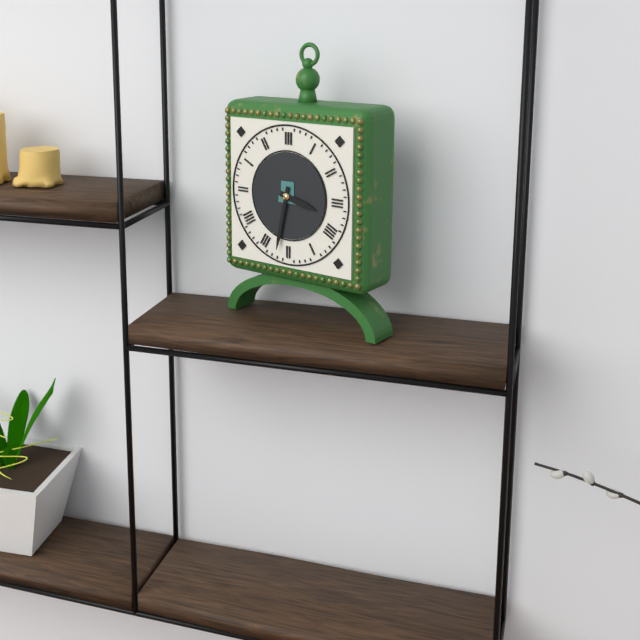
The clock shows 3:32
